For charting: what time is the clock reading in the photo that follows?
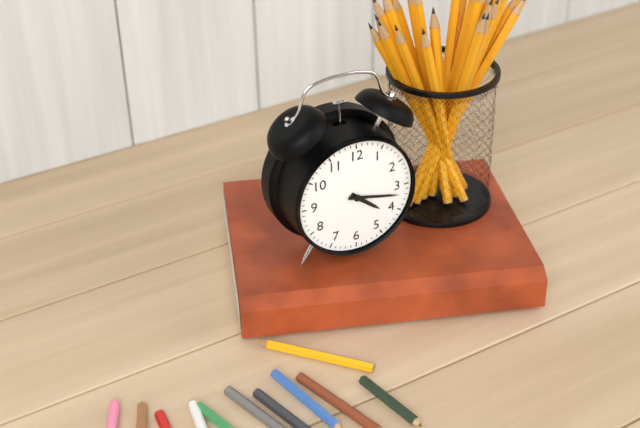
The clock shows 4:17
